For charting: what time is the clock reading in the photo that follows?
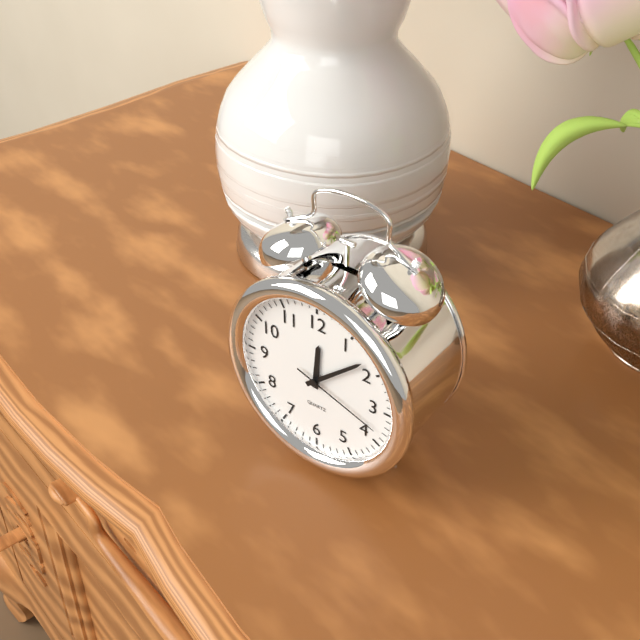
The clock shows 12:08:18
